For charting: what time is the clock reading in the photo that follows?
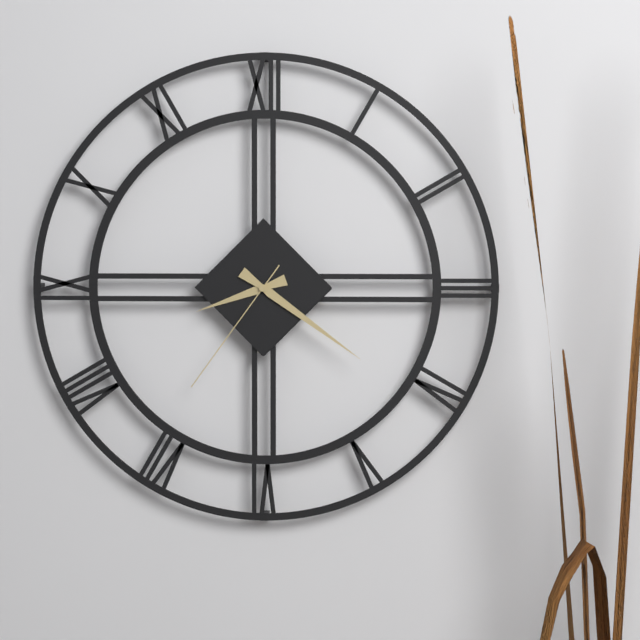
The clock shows 8:21:36
